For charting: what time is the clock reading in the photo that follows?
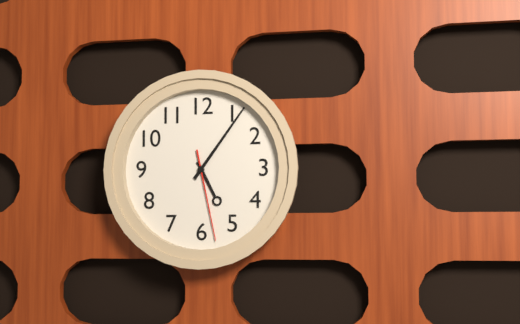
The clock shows 5:06:28
